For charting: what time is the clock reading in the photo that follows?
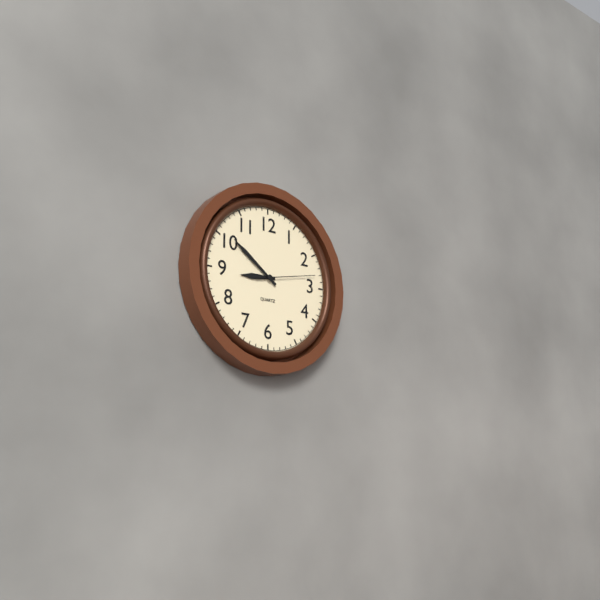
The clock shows 8:51:13
